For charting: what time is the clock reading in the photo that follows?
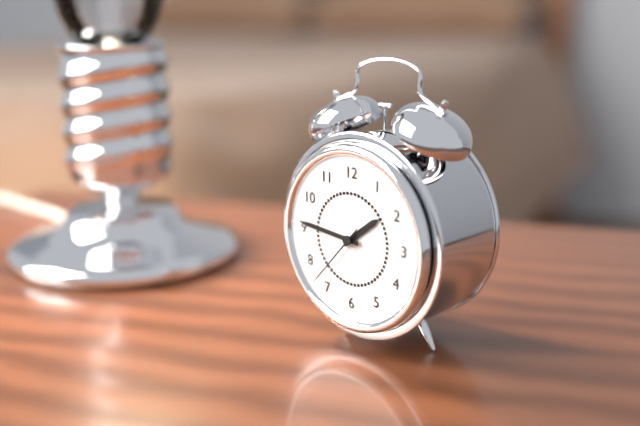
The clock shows 1:46:37
